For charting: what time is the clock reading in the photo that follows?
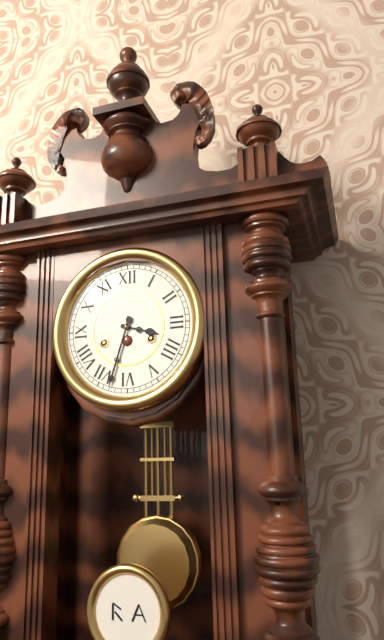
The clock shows 3:33
